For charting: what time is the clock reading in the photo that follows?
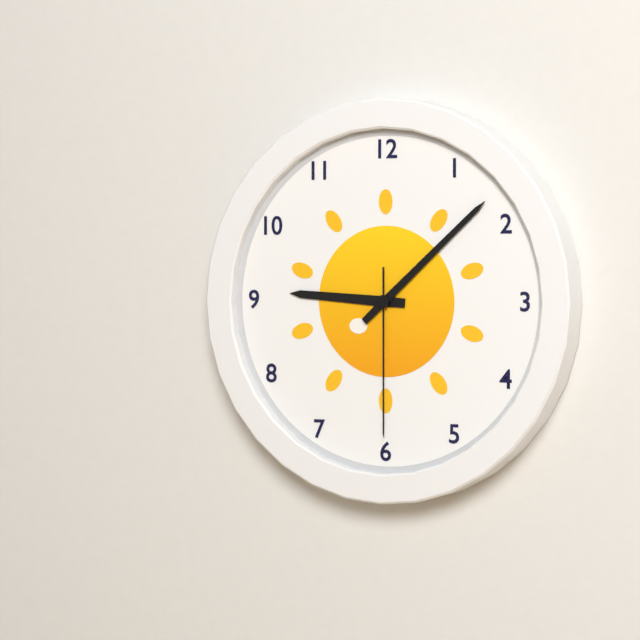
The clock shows 9:08:30
